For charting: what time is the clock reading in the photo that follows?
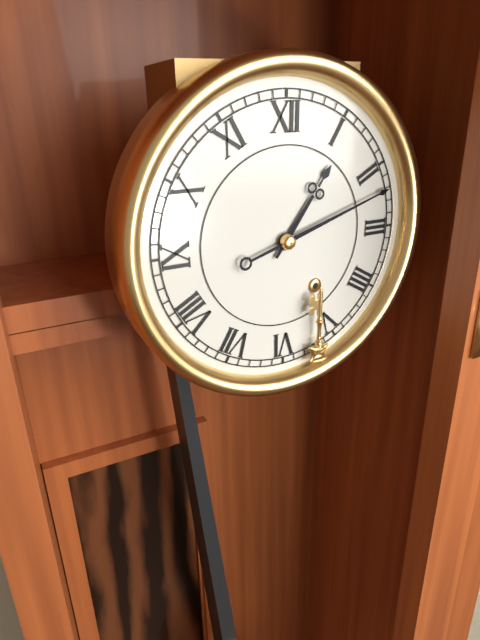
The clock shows 1:12
